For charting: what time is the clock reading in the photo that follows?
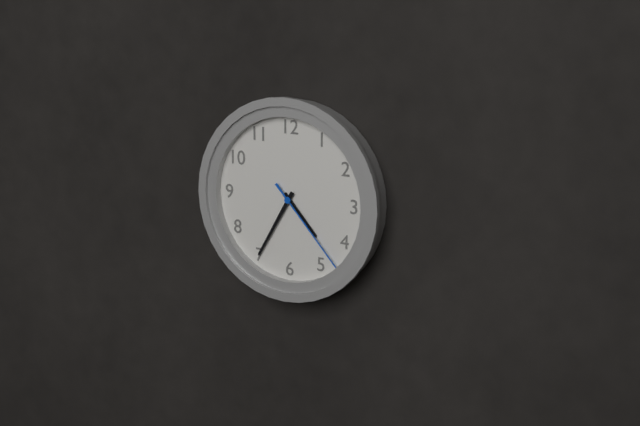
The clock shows 4:35:23
